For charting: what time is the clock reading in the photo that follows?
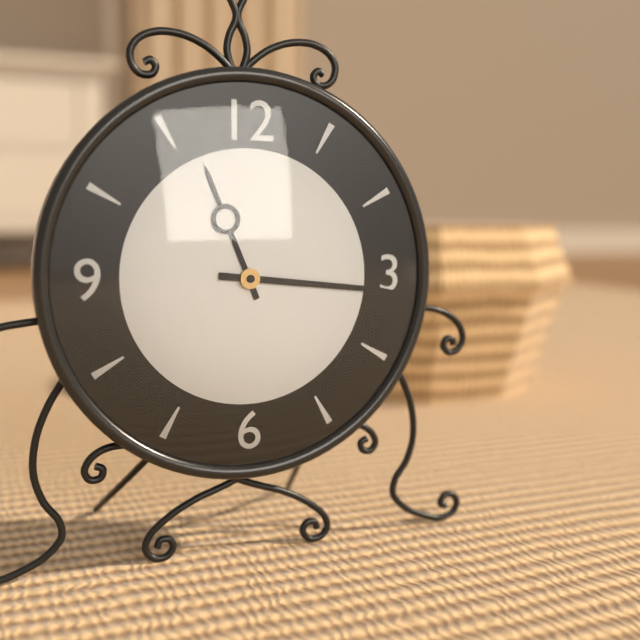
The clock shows 11:16
